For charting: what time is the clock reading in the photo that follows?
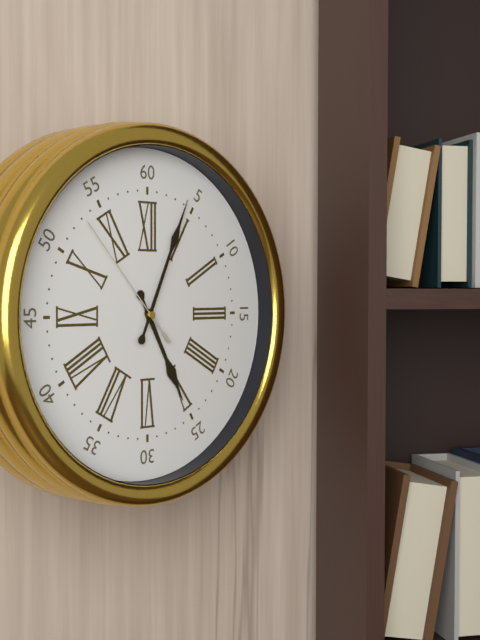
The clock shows 5:04:53
